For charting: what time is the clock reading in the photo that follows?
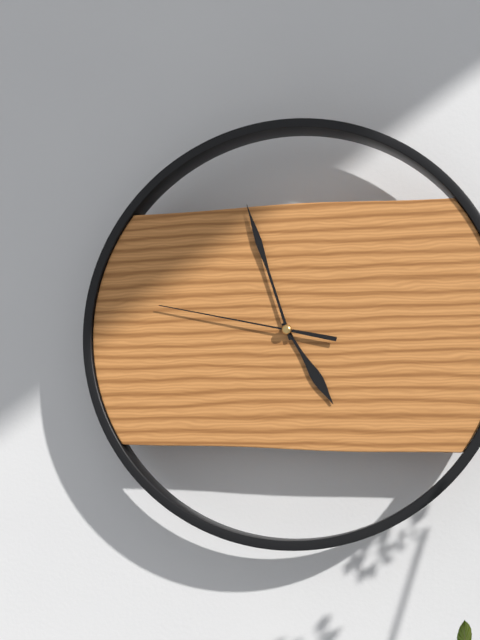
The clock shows 4:57:47
